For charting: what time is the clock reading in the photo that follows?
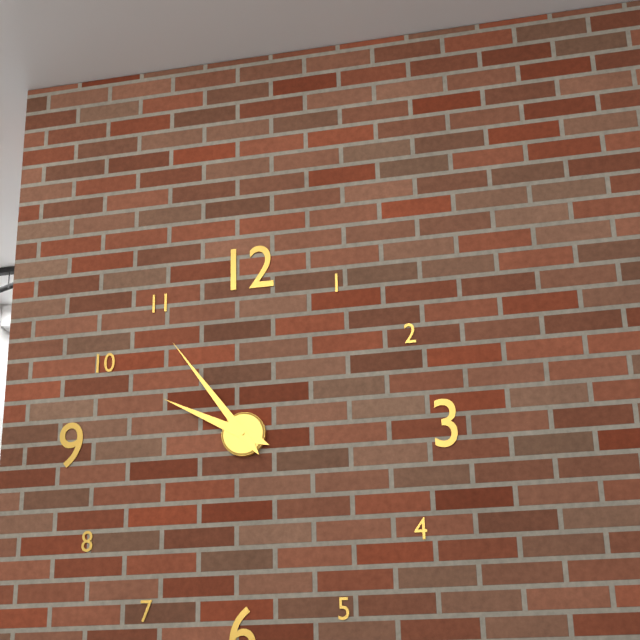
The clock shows 9:54
